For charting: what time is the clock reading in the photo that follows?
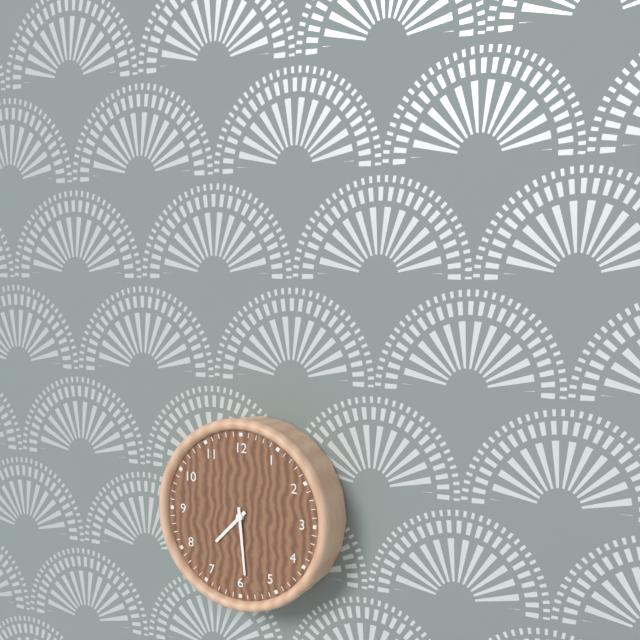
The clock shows 7:29
